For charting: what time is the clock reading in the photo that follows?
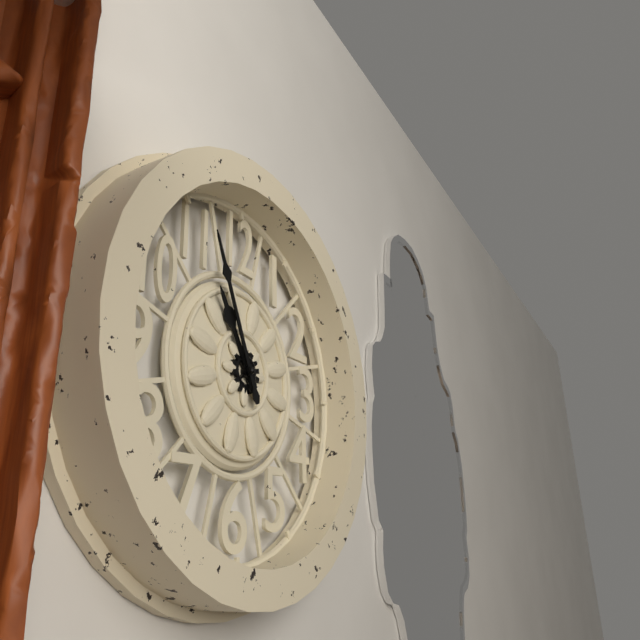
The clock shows 10:56
